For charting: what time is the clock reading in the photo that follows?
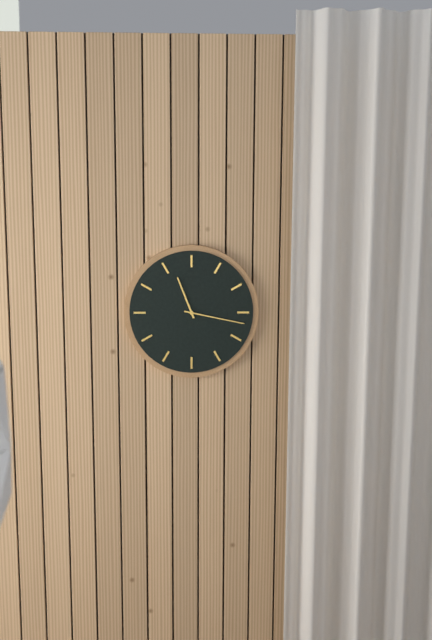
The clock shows 11:17
